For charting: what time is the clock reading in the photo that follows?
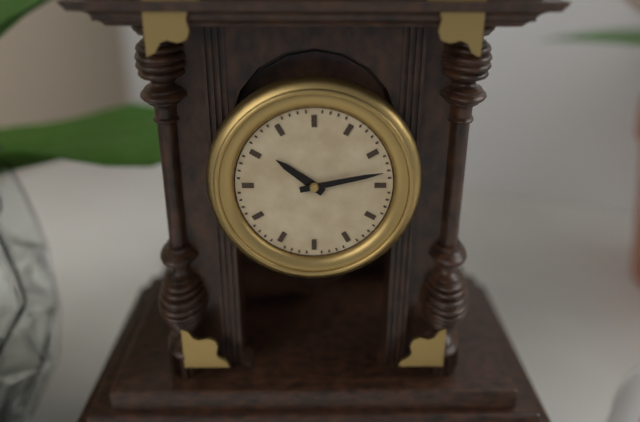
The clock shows 10:13
